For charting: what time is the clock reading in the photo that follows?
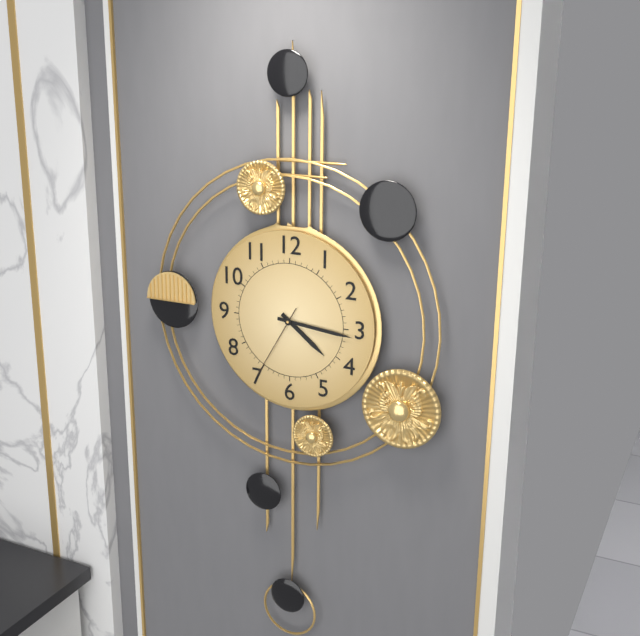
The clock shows 4:16:35
